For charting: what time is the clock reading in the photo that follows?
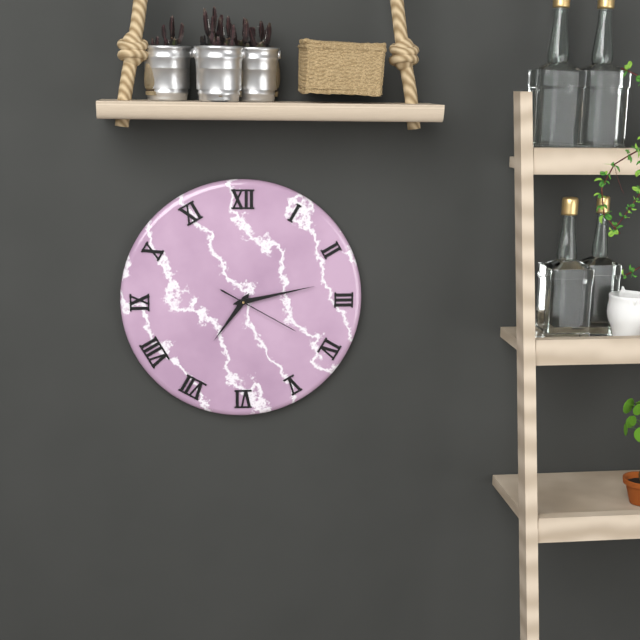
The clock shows 7:13:20
